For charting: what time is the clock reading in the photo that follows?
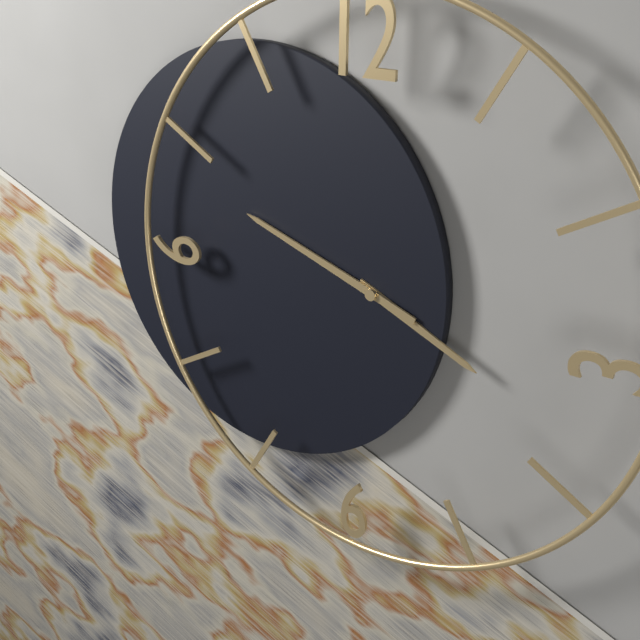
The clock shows 3:48
